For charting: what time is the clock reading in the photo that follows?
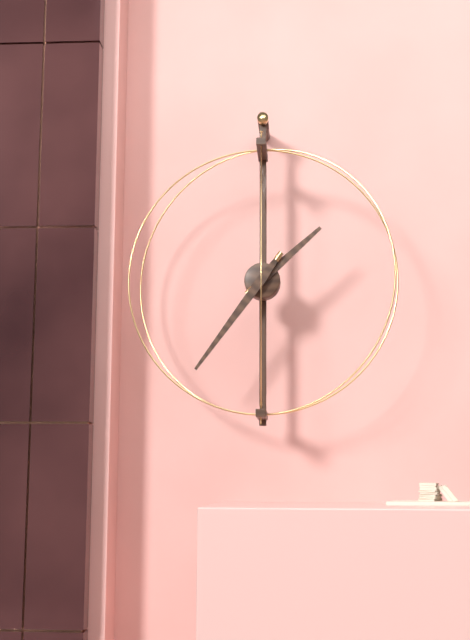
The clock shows 1:36
